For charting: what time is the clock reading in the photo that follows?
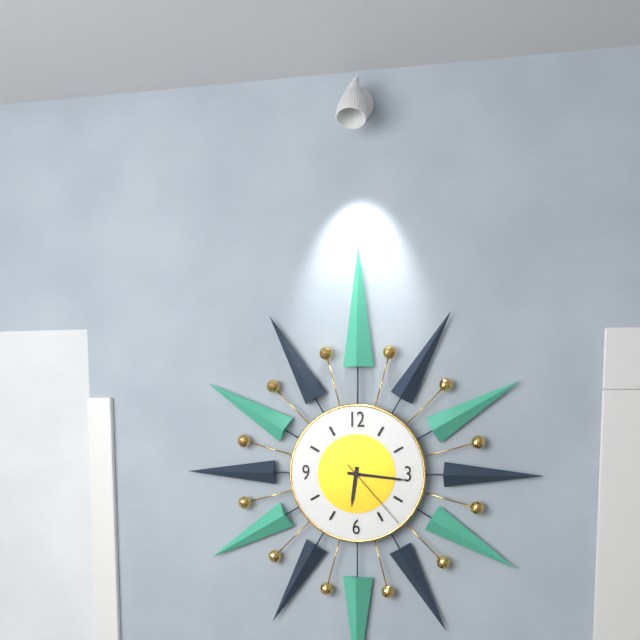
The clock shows 6:16:23
